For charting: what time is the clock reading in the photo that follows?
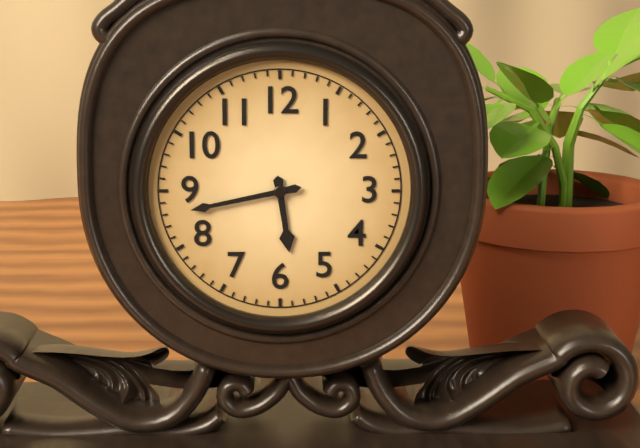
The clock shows 5:43
